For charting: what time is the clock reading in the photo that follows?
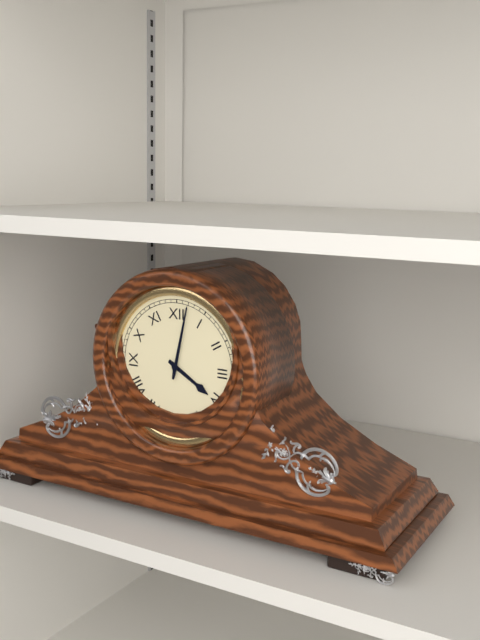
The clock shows 4:02
